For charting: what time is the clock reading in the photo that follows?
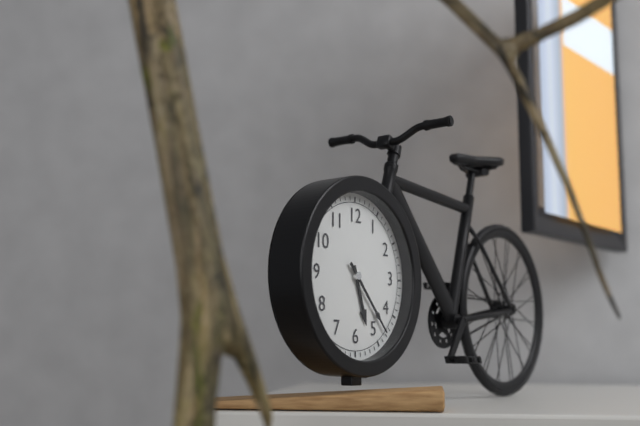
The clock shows 5:23
